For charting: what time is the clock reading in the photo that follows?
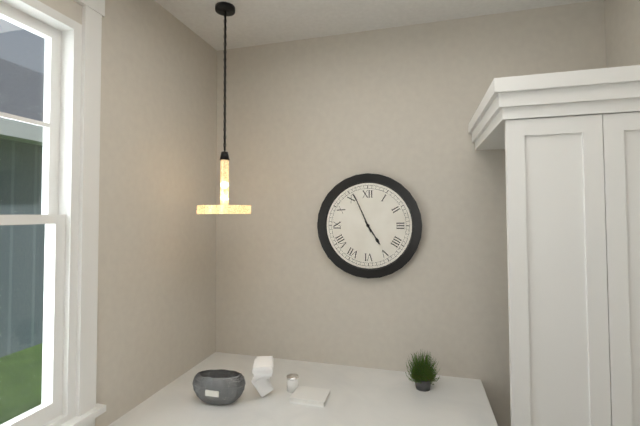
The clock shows 4:56
